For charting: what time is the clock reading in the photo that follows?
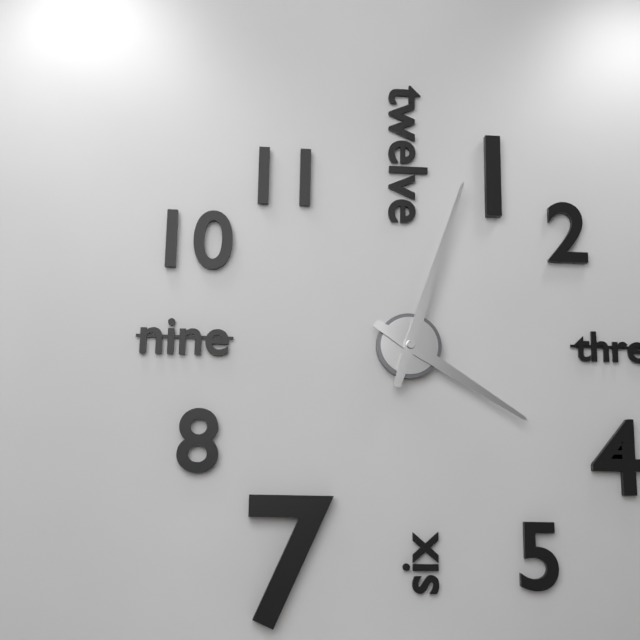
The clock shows 4:03
